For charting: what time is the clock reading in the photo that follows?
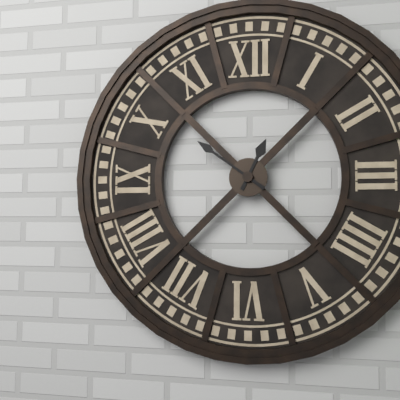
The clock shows 12:51
